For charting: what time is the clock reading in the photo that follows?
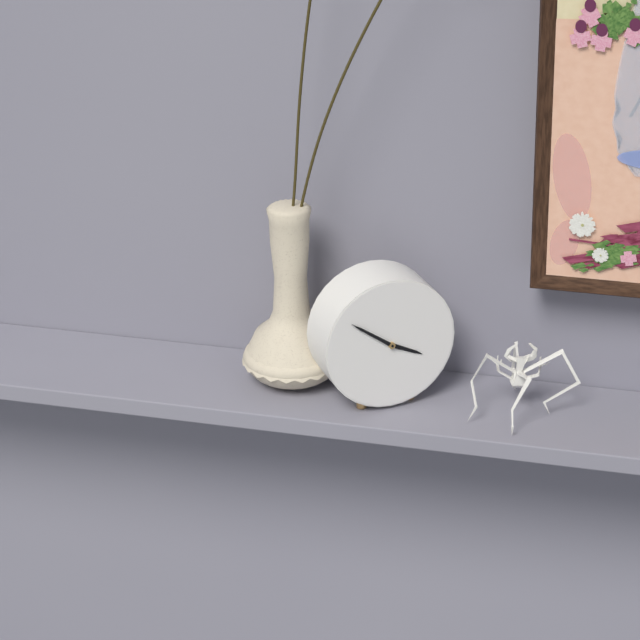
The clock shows 3:51
